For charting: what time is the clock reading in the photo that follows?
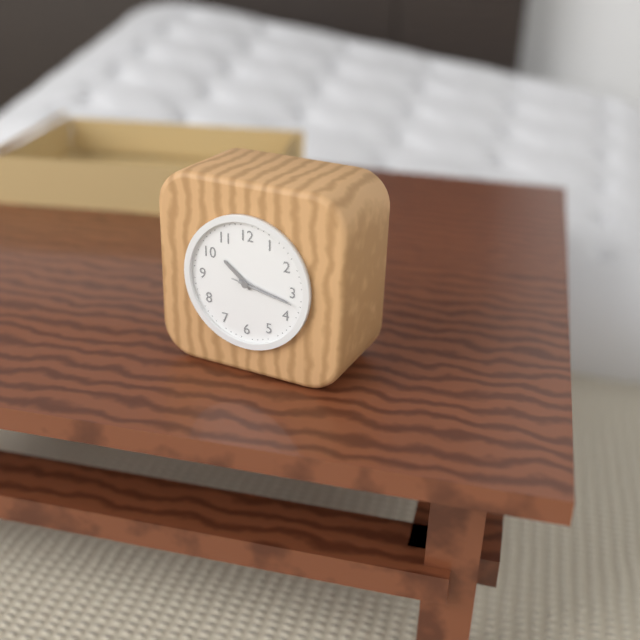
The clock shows 10:17:17
